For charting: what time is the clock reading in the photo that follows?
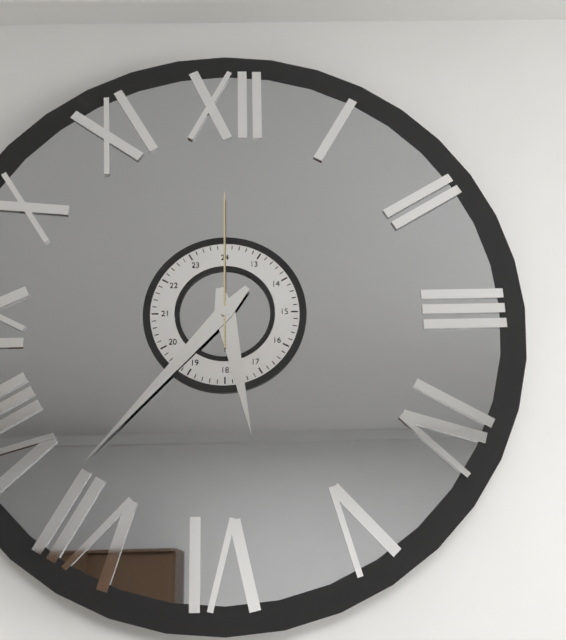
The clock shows 5:37:00
